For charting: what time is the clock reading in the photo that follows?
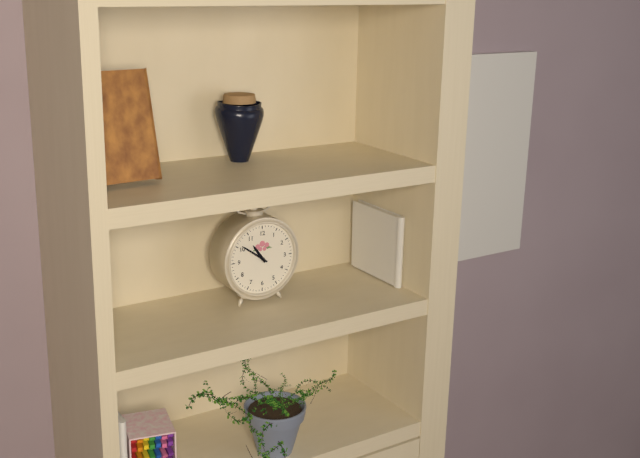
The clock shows 10:51
